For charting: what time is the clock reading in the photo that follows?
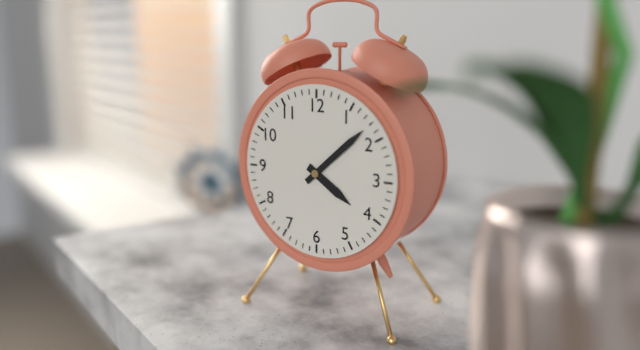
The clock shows 4:08
